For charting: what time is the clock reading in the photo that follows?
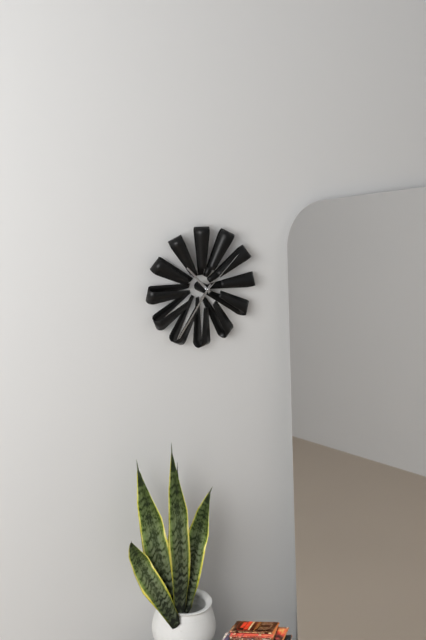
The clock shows 10:36:08
